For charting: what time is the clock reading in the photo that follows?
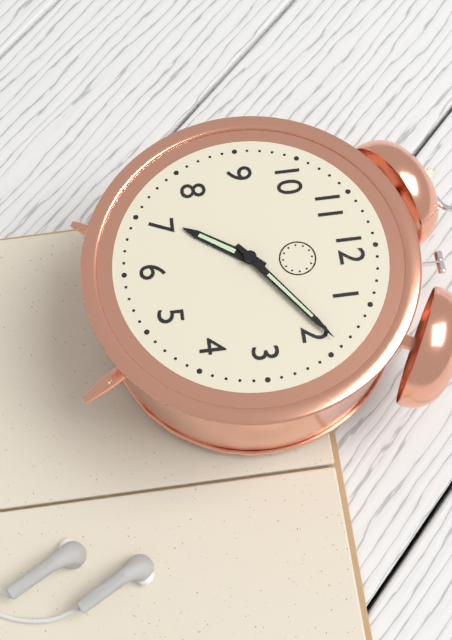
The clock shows 7:09
